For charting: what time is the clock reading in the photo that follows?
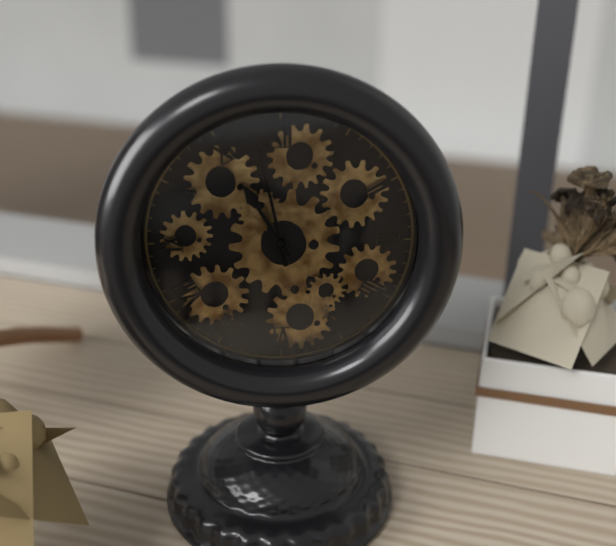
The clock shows 10:58
